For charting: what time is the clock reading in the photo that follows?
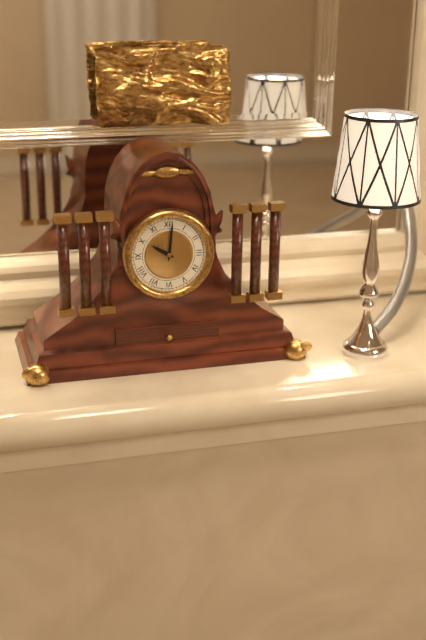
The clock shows 10:01
